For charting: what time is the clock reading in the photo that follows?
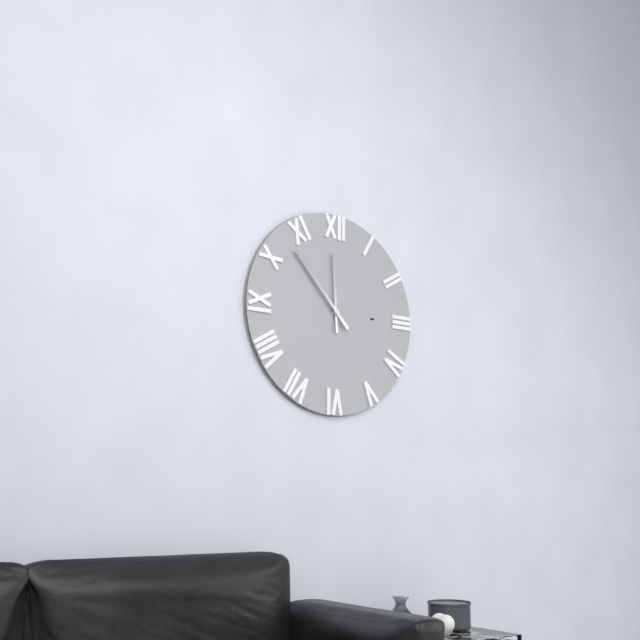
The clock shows 11:53
